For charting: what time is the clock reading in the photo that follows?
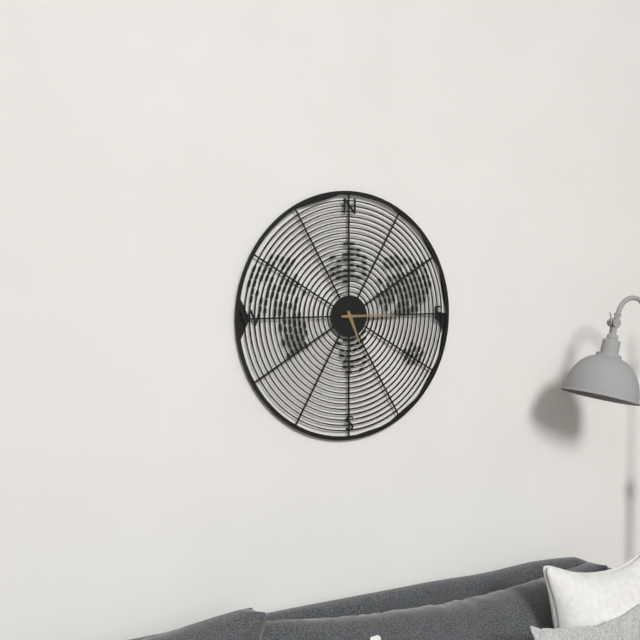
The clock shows 5:15
